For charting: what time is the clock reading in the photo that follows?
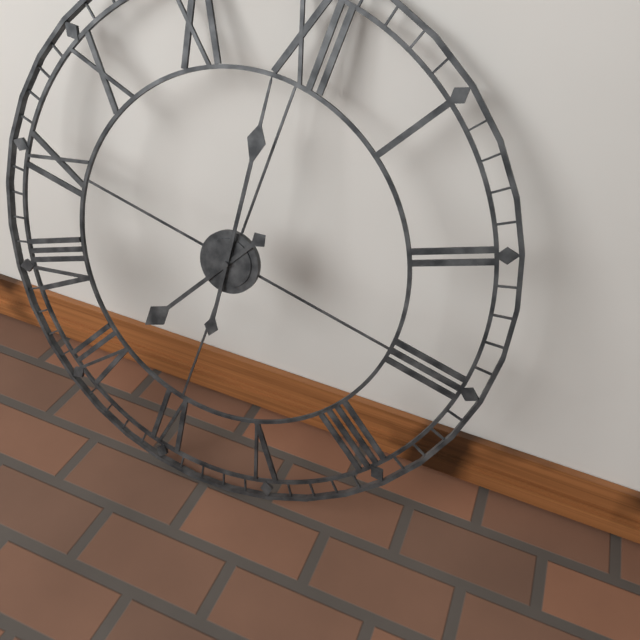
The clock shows 6:59
